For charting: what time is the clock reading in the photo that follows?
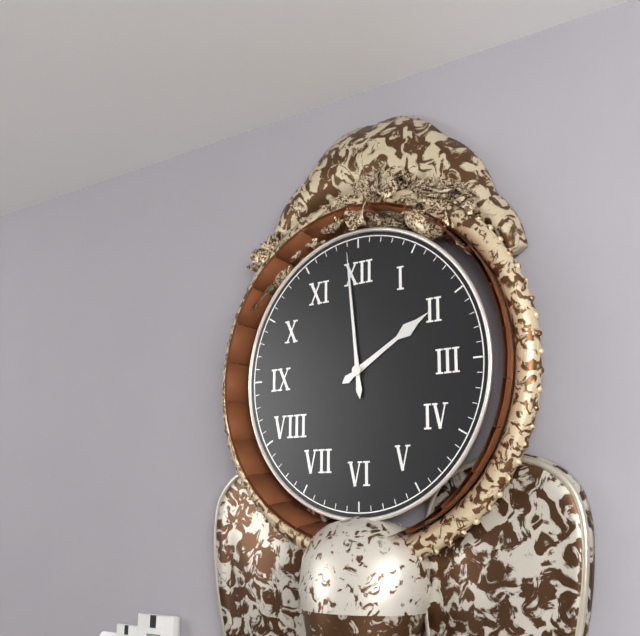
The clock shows 1:59
